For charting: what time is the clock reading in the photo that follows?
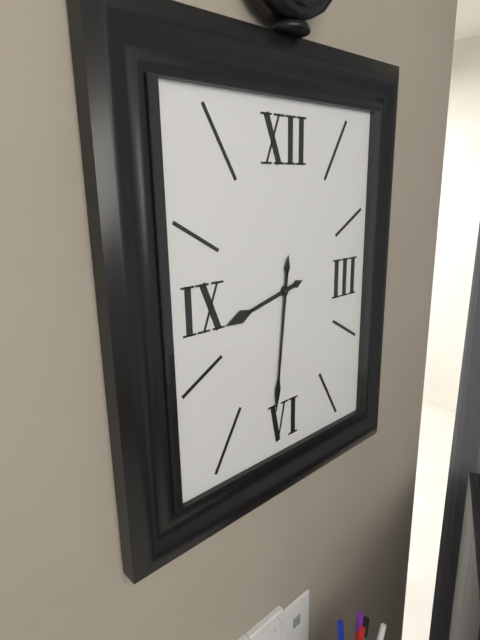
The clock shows 8:31
